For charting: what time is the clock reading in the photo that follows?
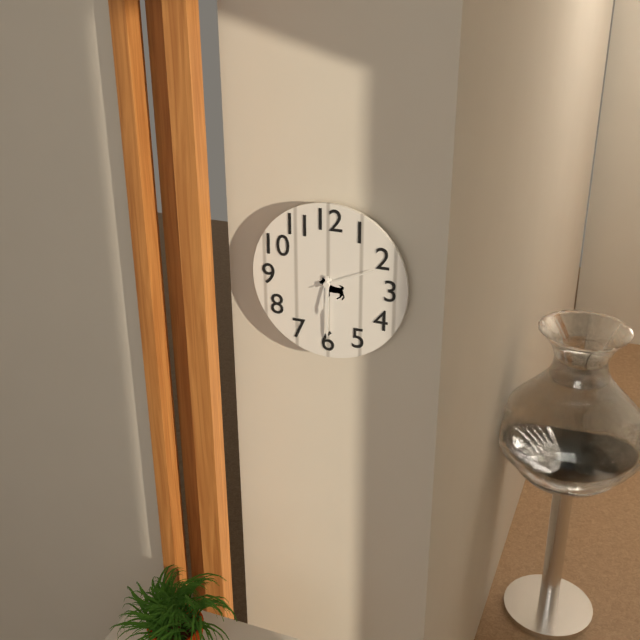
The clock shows 6:30:11
